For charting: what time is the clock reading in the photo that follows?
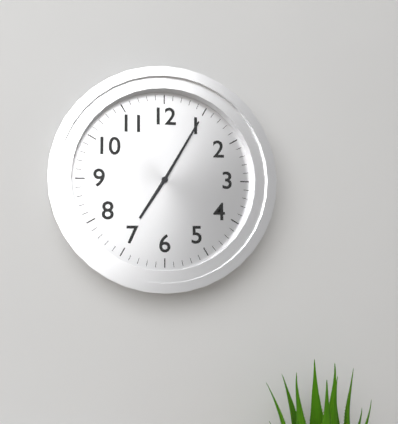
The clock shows 7:05
